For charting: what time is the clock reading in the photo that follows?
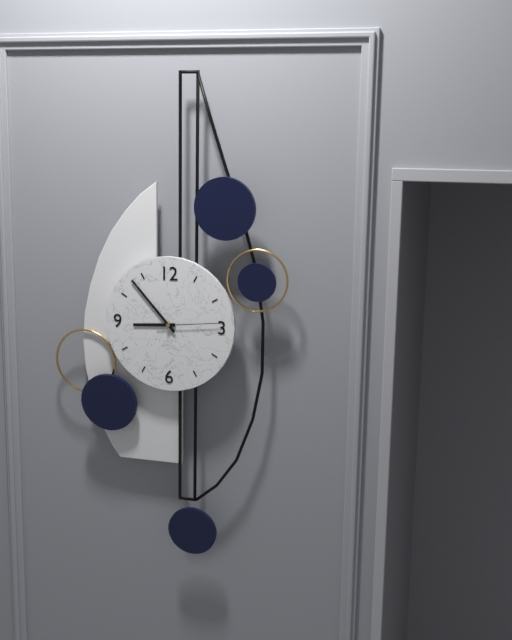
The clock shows 8:53:14
